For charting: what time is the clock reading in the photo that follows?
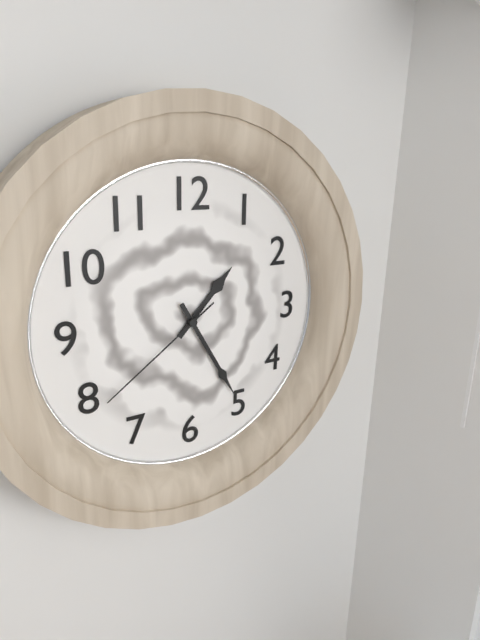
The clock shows 1:25:39
